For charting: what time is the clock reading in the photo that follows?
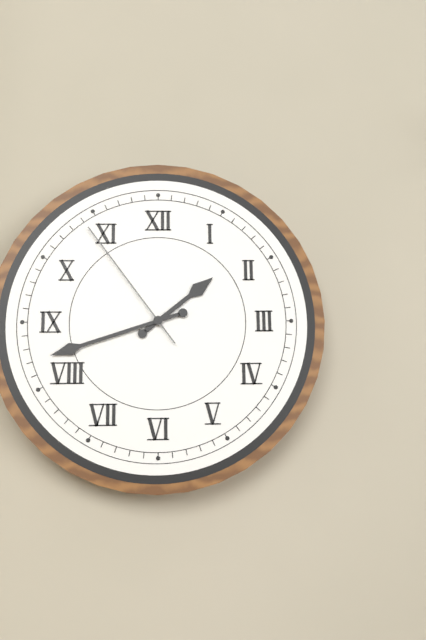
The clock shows 1:42:54
